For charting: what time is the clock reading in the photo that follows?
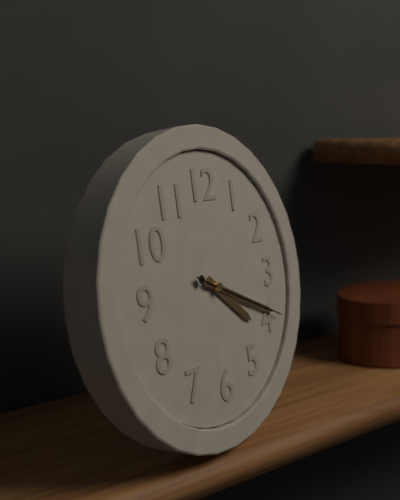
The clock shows 4:19:19
